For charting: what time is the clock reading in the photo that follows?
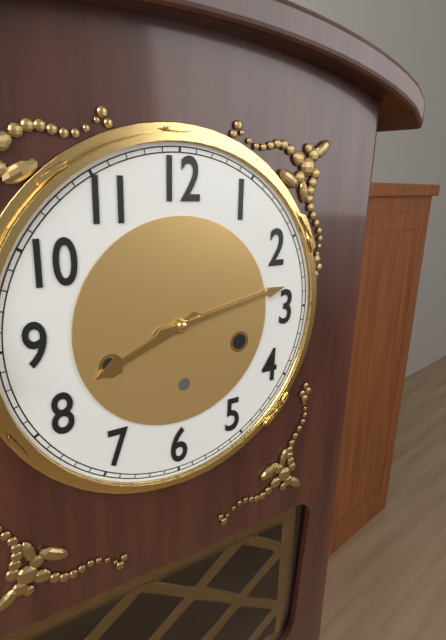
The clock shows 8:13
